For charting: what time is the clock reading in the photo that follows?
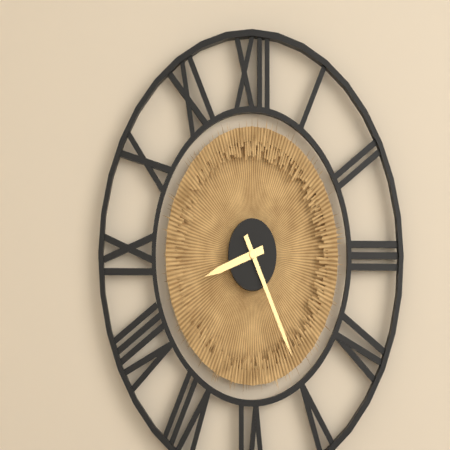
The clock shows 8:25
